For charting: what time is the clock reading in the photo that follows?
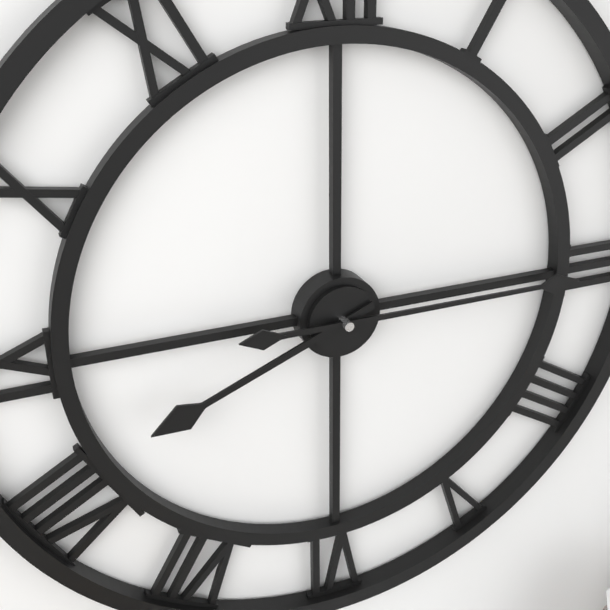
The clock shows 8:15
